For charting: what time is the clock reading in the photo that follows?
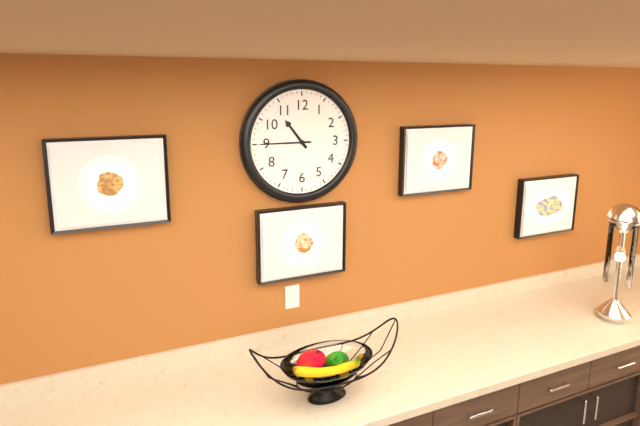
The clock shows 10:45
